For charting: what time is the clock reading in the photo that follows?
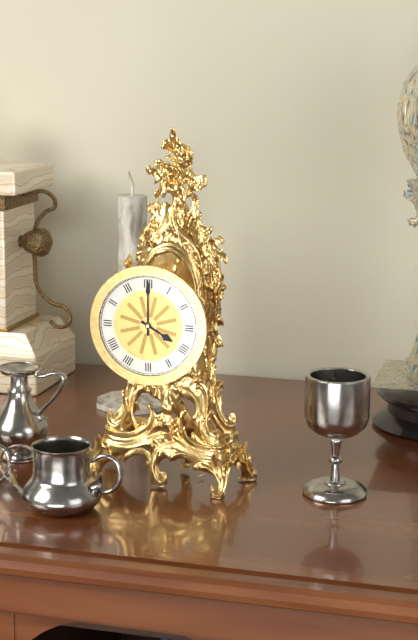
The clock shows 4:00
